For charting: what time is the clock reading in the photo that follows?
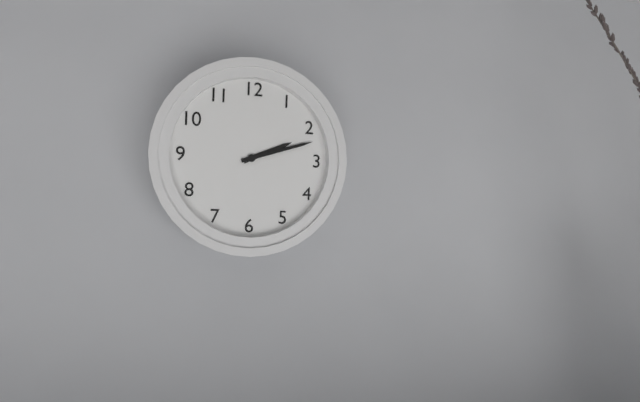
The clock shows 2:12
